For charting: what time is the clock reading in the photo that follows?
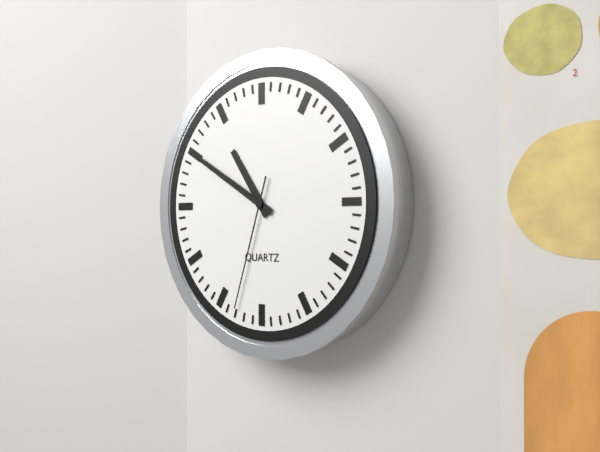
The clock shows 10:50:33
